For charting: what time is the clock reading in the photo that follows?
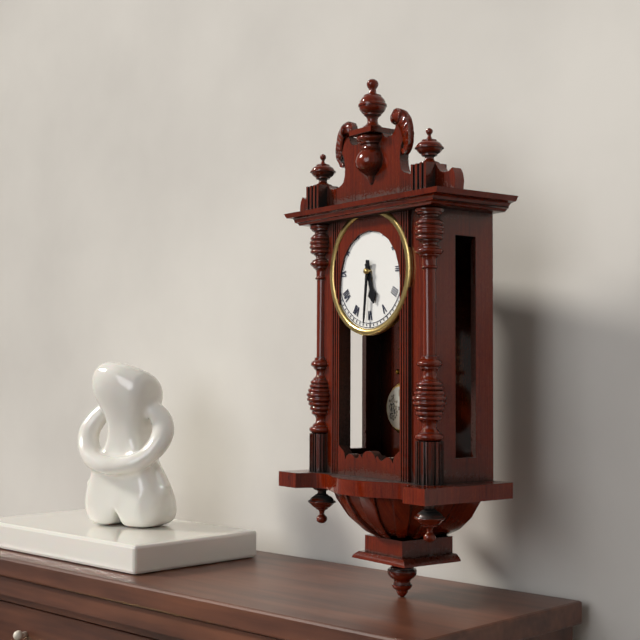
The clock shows 5:31
